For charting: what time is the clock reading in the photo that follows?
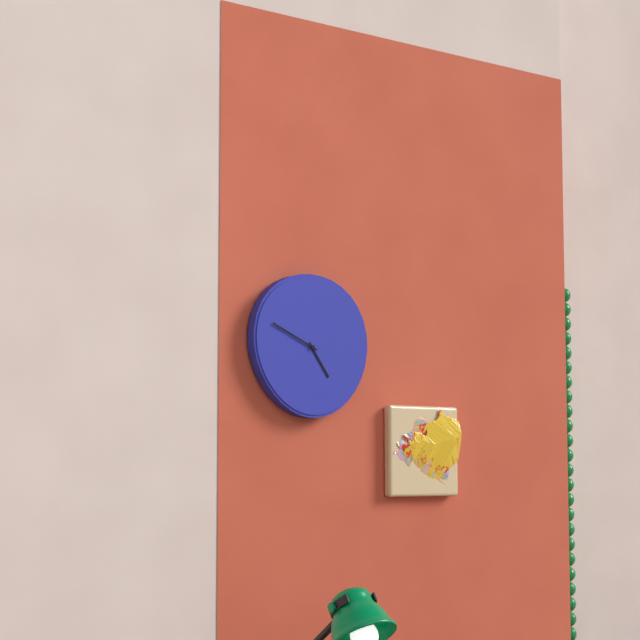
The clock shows 4:49
